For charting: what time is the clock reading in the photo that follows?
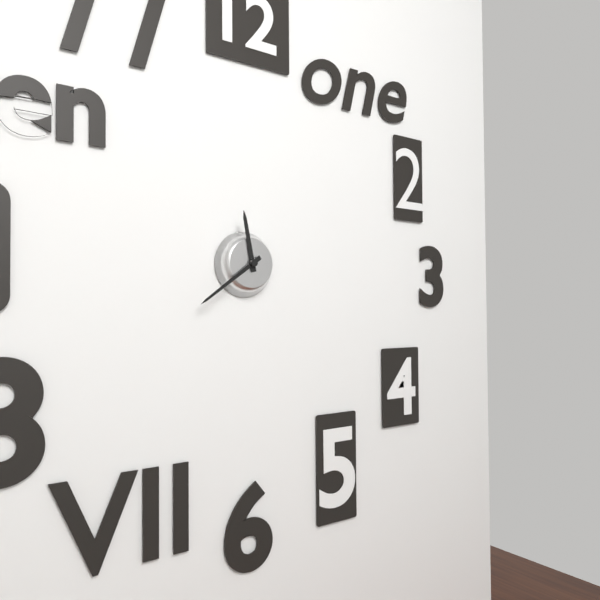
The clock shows 11:39
